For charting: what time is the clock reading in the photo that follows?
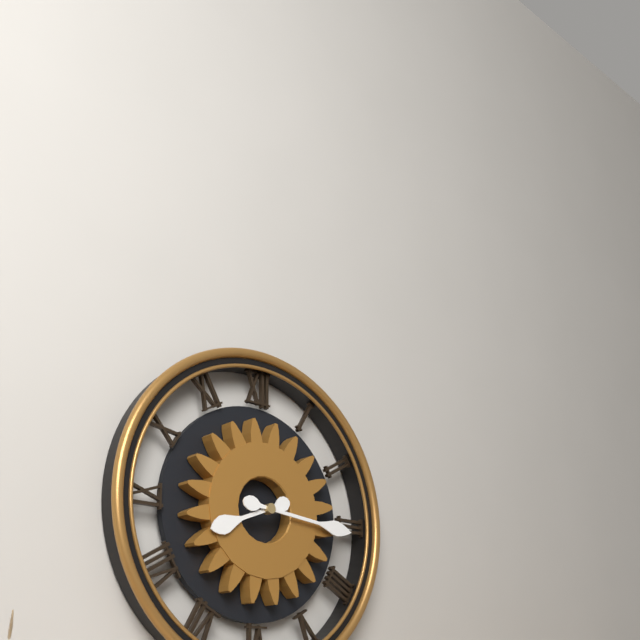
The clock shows 8:16
